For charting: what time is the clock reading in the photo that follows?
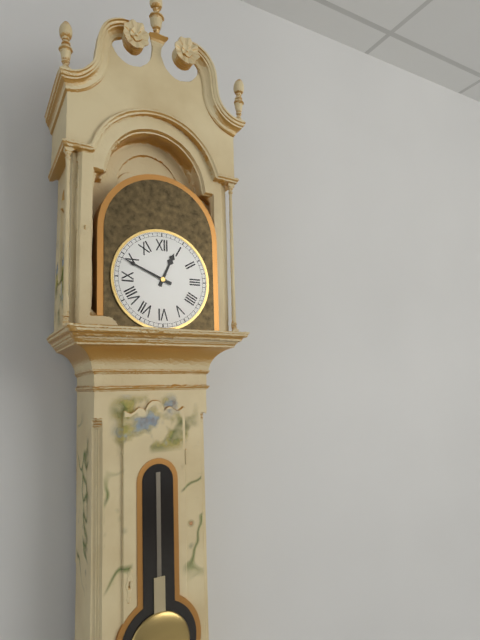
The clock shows 12:49
